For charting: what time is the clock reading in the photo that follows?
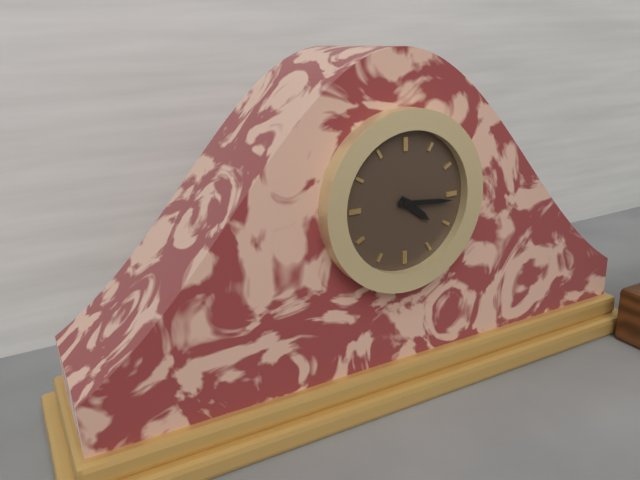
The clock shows 4:16
